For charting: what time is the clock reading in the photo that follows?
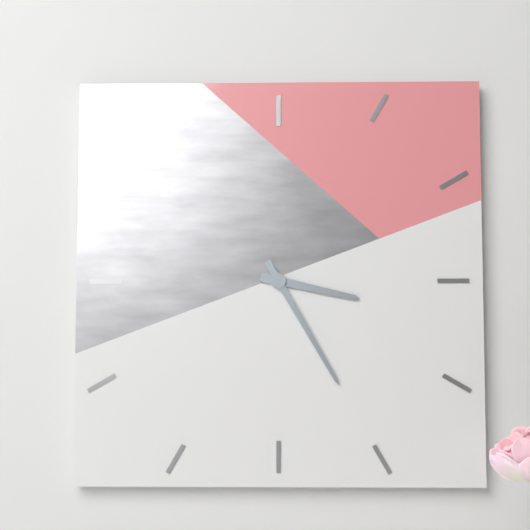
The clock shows 3:25
